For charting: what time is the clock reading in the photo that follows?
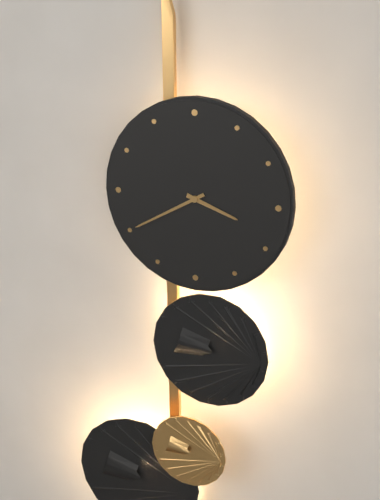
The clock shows 3:40
